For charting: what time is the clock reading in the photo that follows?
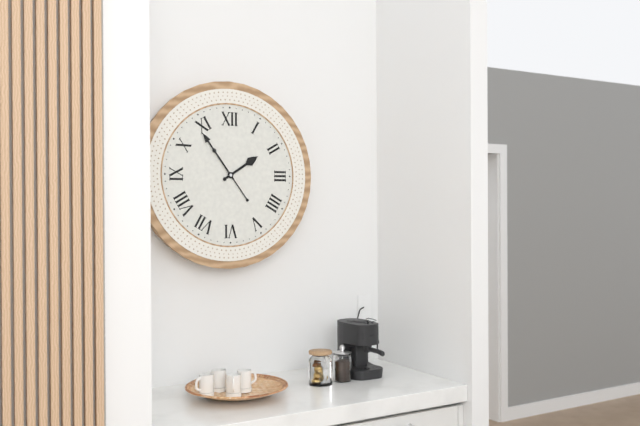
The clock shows 1:54
